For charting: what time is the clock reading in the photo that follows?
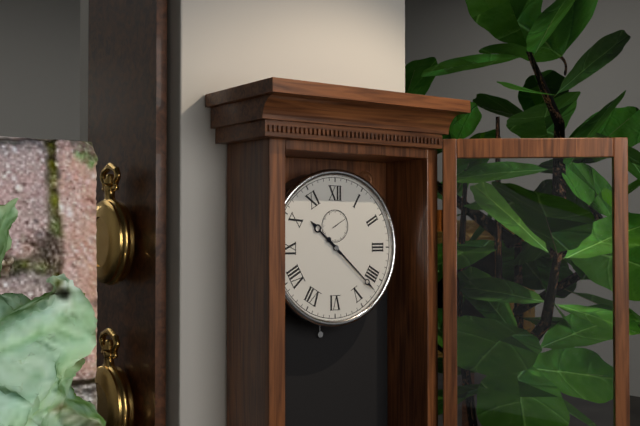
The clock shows 10:22
